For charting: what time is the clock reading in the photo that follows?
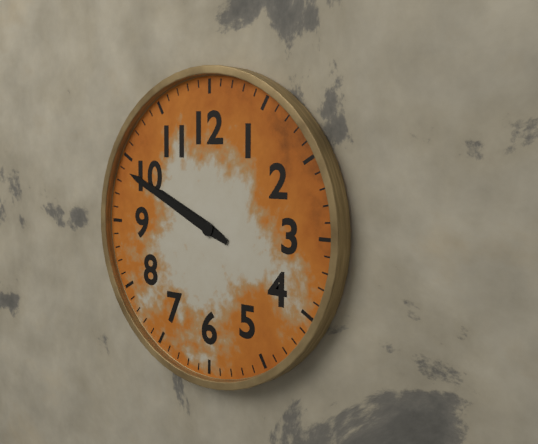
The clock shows 9:49
